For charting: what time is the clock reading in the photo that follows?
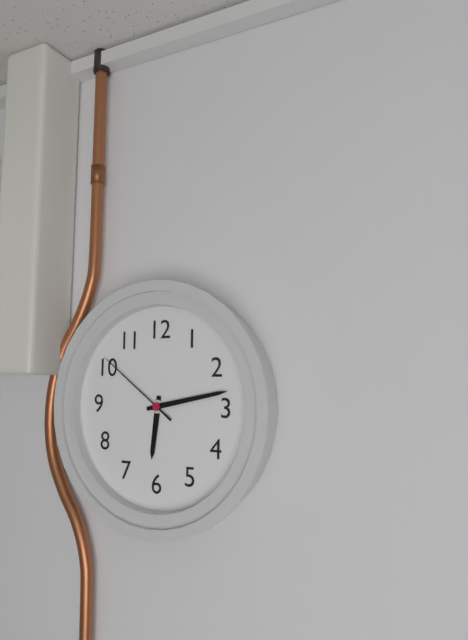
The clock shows 6:13:51
